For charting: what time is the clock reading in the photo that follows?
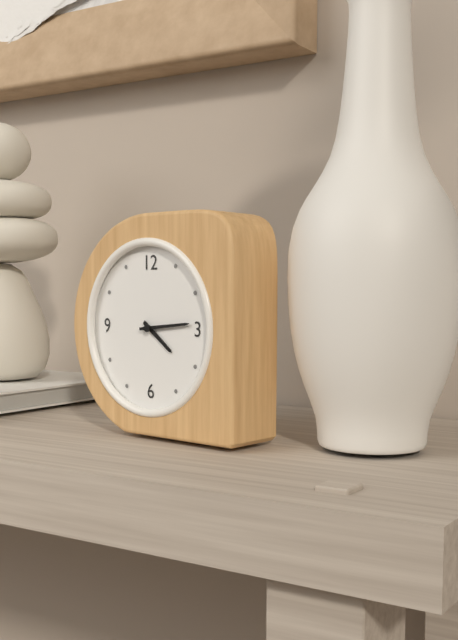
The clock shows 4:14
